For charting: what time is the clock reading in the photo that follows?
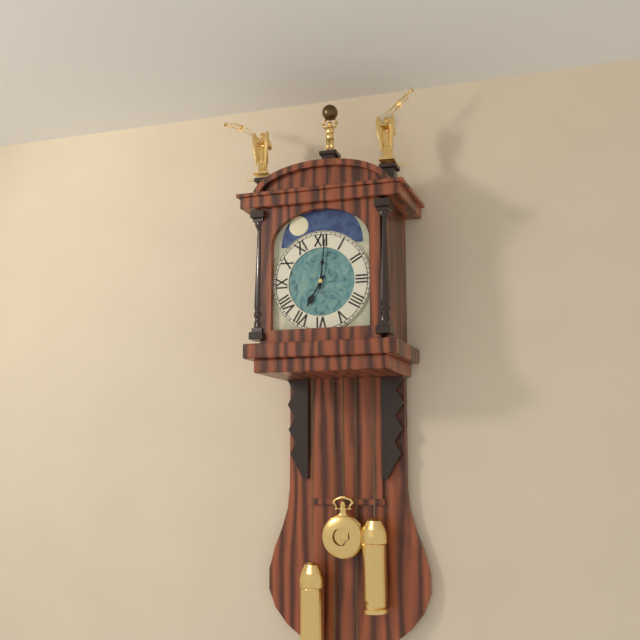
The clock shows 7:01
